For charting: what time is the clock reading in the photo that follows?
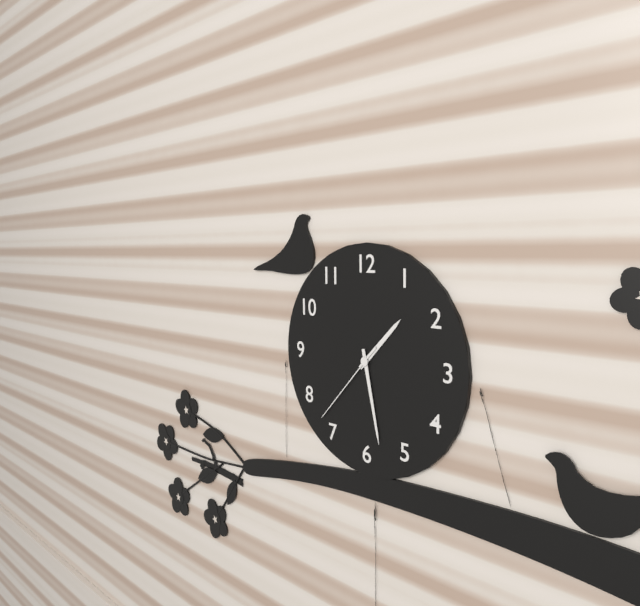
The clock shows 1:28:37
